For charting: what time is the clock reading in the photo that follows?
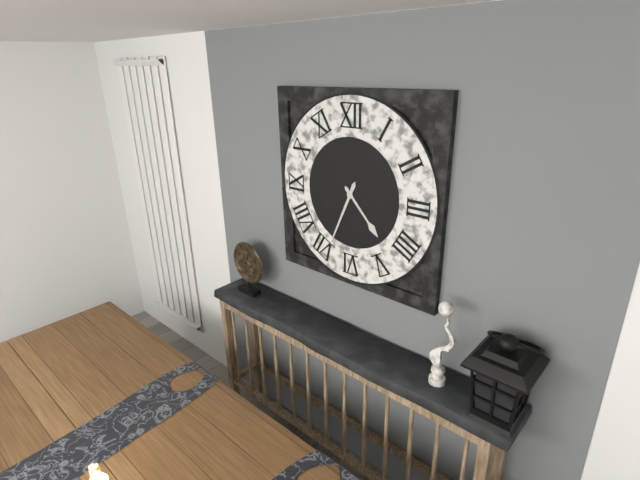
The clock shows 4:34
